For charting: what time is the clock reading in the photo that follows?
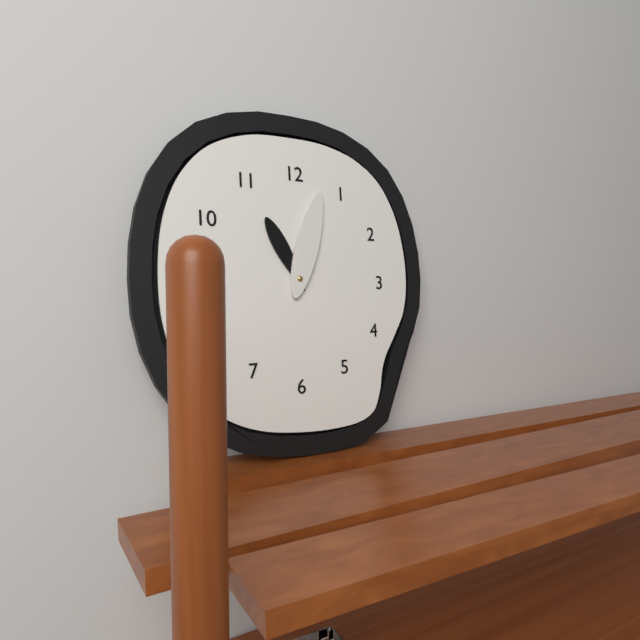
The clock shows 11:03
